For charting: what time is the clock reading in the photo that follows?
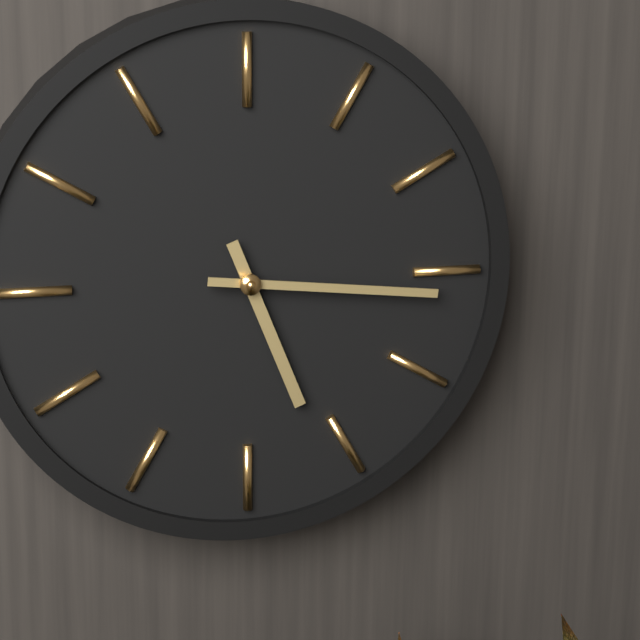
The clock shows 5:16
